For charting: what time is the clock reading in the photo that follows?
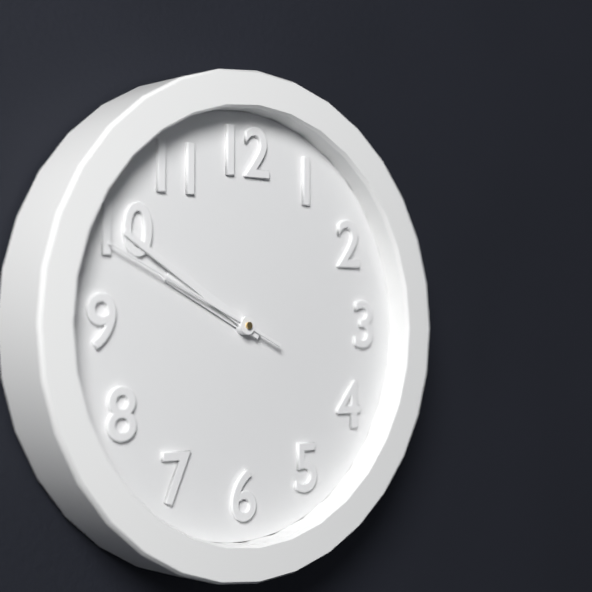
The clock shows 9:50:49
